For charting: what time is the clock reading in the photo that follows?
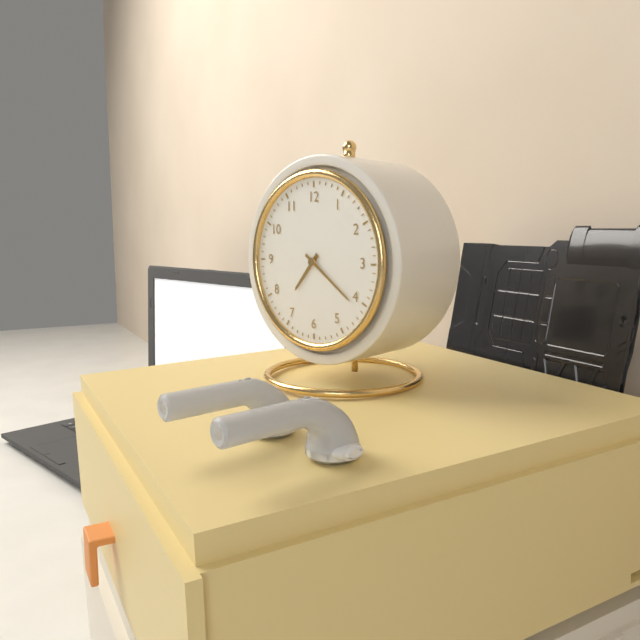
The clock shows 7:21
